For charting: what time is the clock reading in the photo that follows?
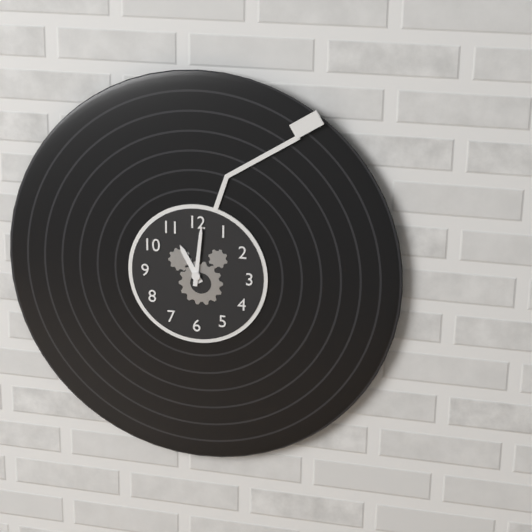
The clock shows 11:01
